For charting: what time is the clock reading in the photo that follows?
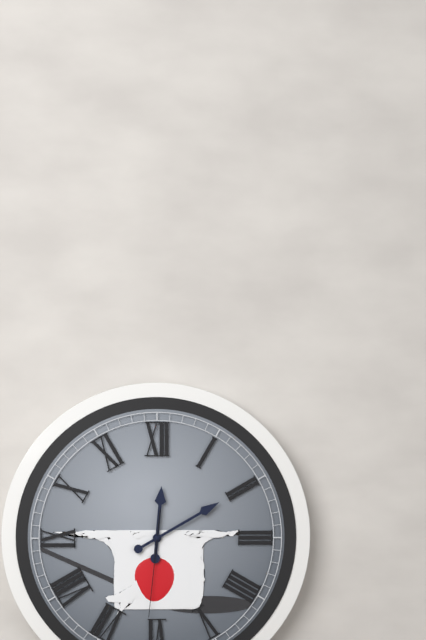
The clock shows 12:10:31
